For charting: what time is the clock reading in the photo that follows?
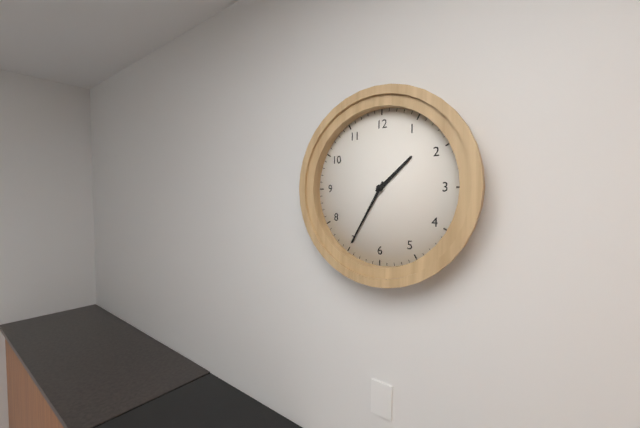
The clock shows 1:35
